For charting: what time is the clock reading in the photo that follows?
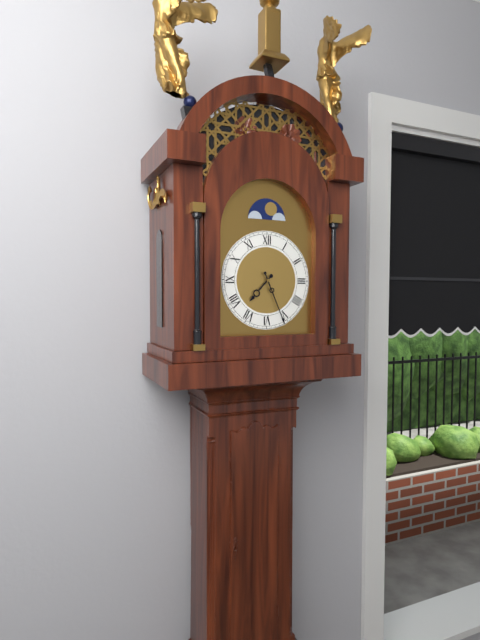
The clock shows 7:26
